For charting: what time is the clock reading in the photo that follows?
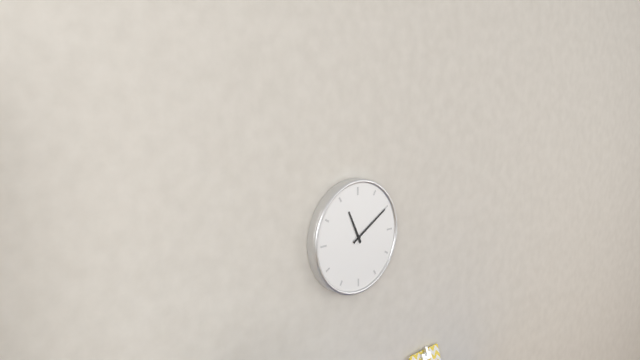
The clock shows 11:10
